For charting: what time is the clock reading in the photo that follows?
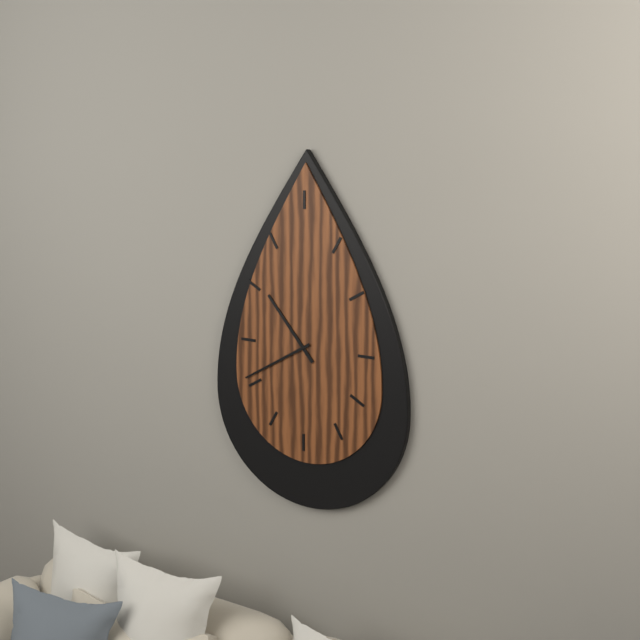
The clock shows 10:40
